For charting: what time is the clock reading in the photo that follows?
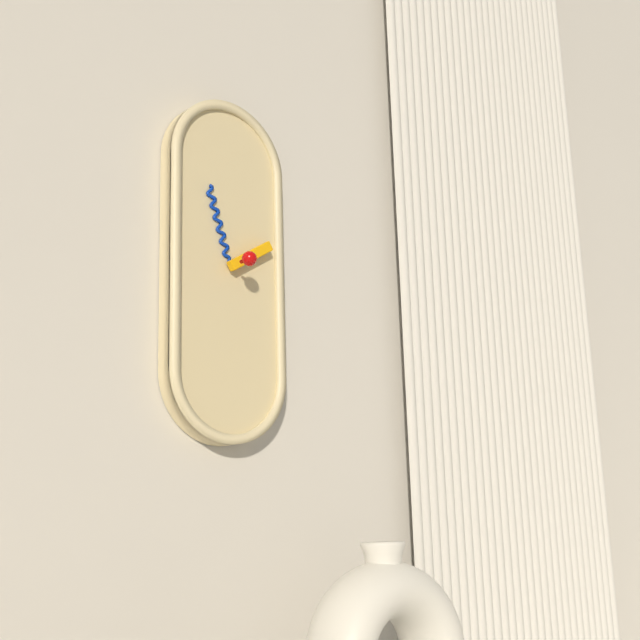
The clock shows 1:57
